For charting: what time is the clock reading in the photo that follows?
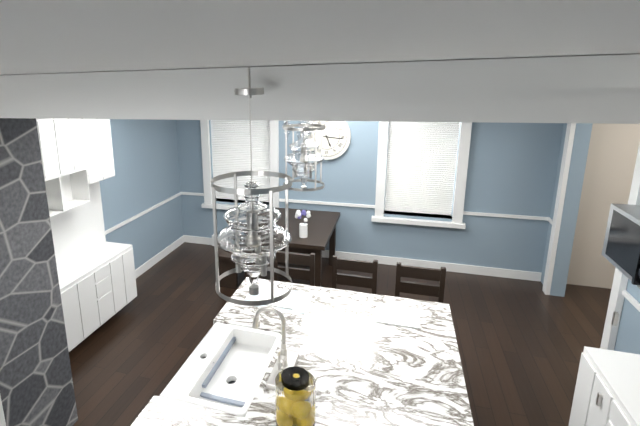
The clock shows 5:16
